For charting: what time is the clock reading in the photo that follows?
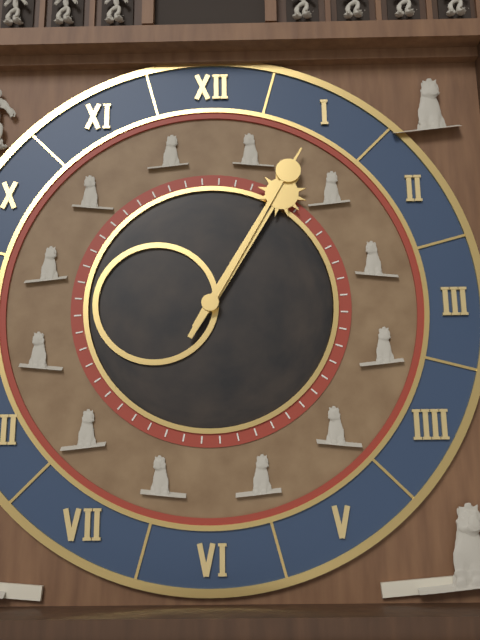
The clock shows 1:05
